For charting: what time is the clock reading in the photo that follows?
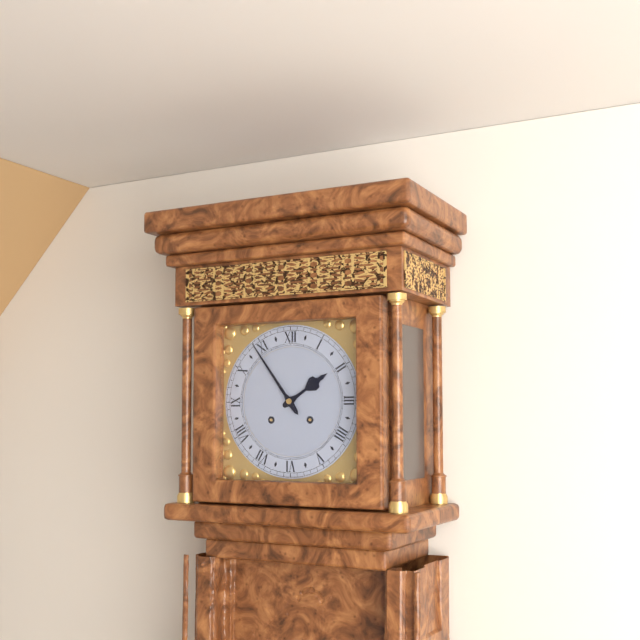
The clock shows 1:54
